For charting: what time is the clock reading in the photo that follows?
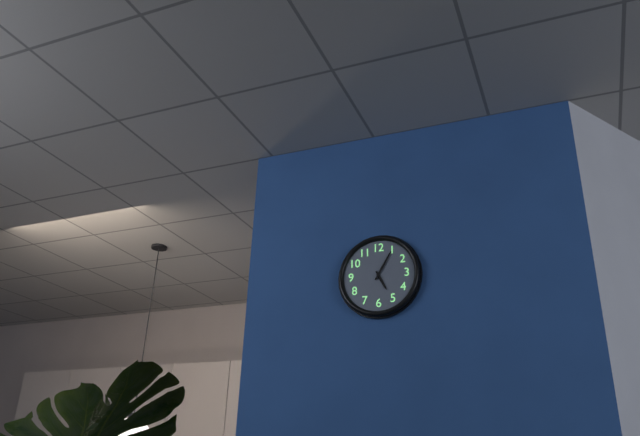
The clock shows 5:05
